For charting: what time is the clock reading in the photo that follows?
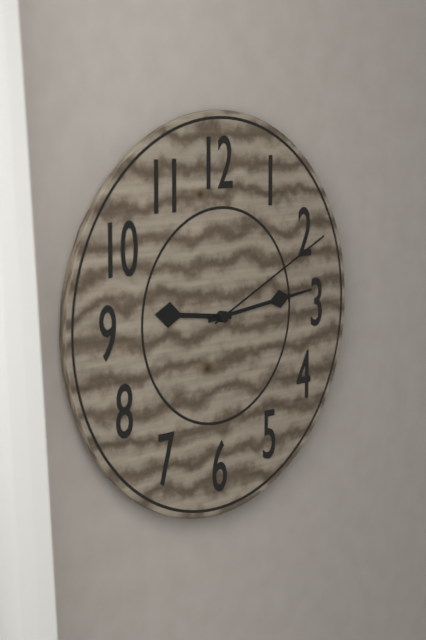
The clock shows 9:14:11
